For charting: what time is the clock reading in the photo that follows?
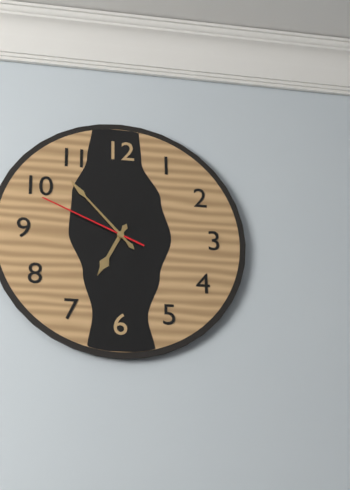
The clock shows 6:53:49
